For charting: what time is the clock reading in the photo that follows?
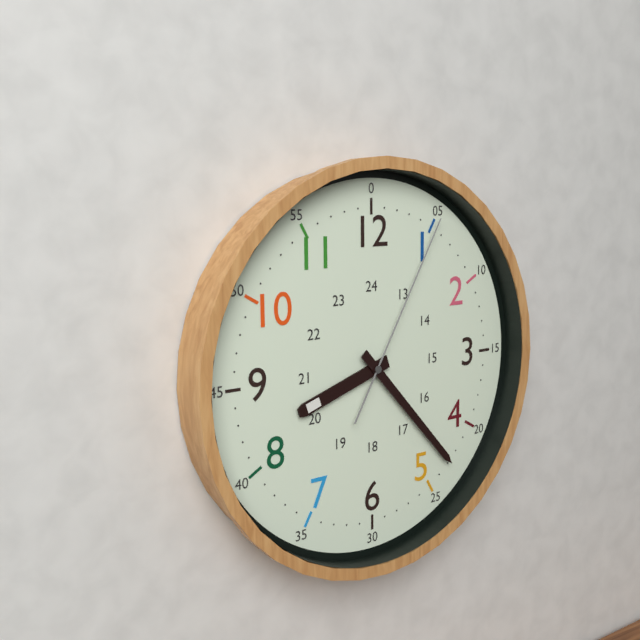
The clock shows 8:23:05
